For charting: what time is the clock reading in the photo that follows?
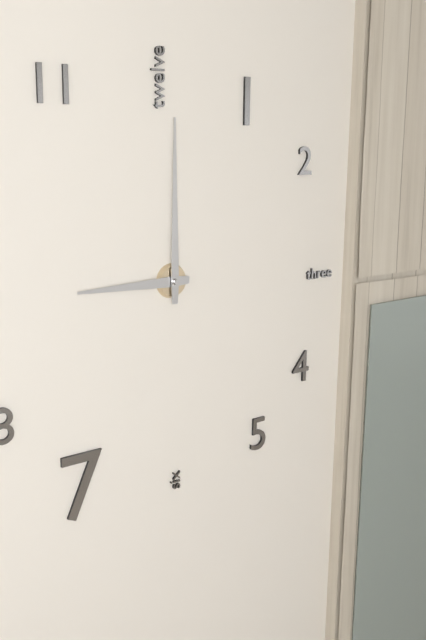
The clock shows 9:00
